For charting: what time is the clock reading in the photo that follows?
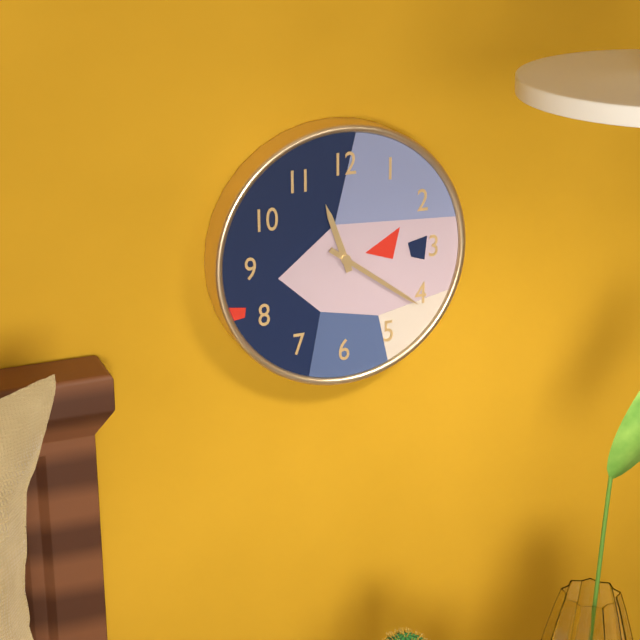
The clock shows 11:21
